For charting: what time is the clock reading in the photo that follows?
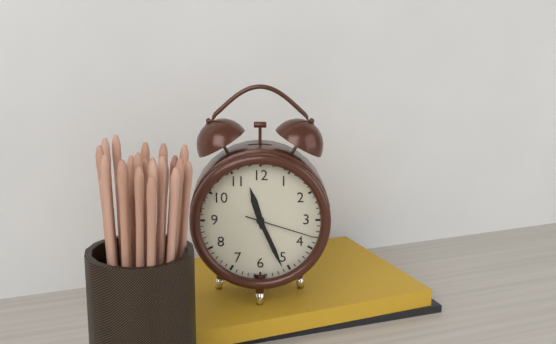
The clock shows 11:26:18
